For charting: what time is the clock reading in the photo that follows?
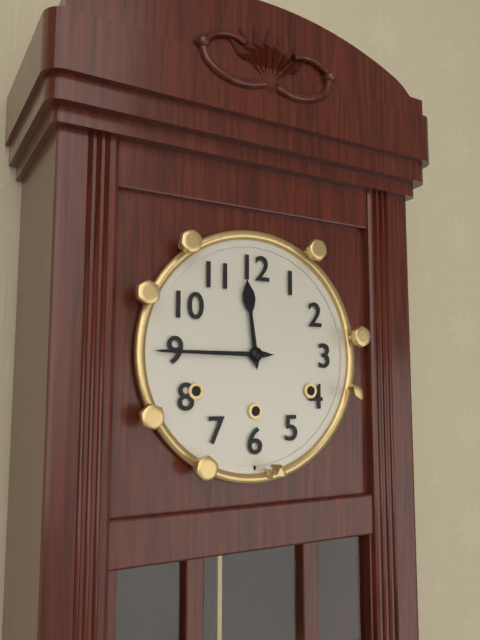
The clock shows 11:45
